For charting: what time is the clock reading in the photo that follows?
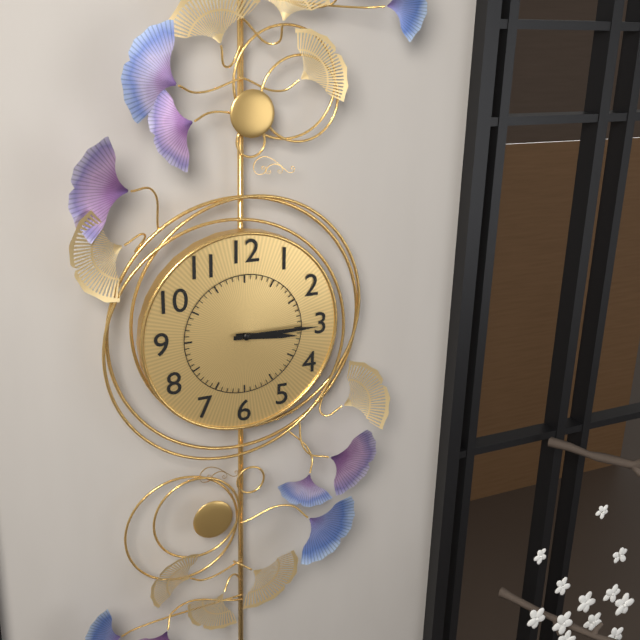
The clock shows 3:15
